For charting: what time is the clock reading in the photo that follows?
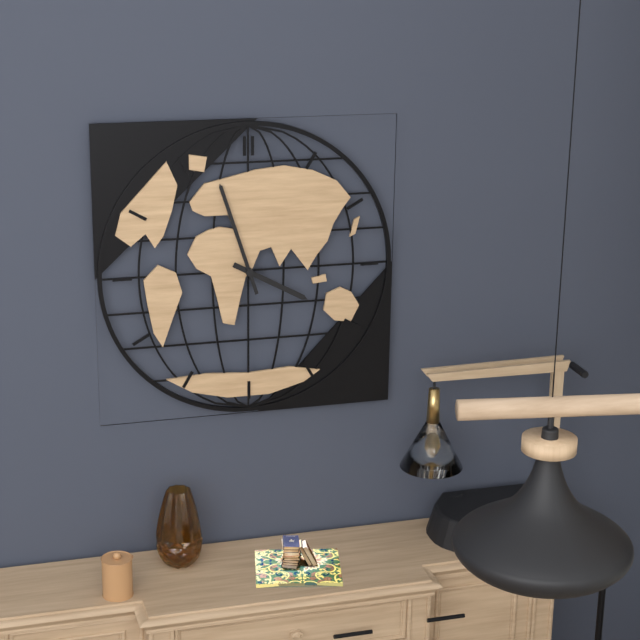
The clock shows 3:57
